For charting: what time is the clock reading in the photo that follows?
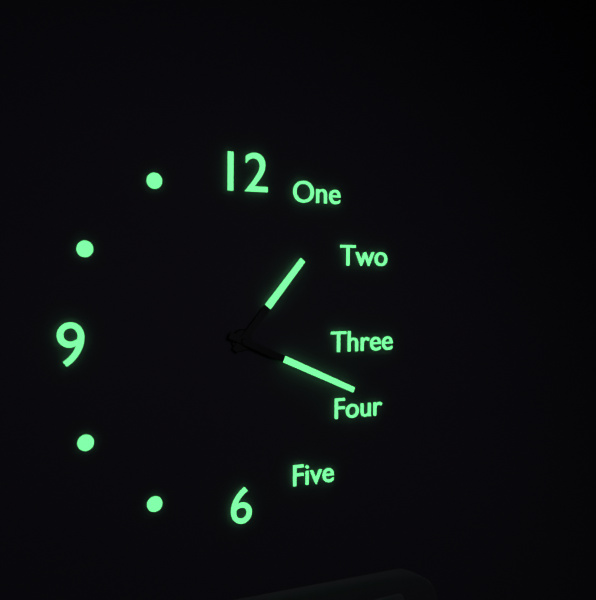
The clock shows 1:19
